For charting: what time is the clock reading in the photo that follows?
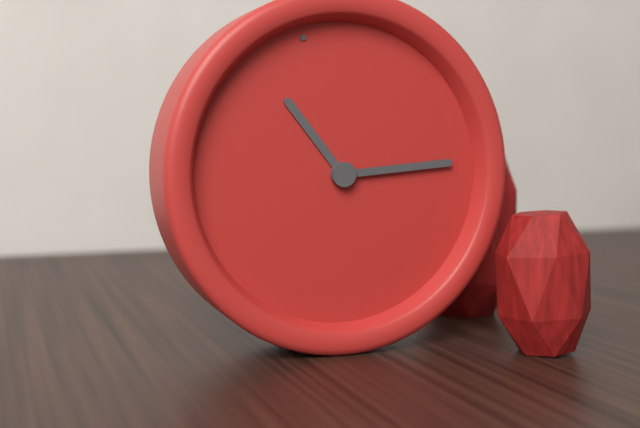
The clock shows 11:17
